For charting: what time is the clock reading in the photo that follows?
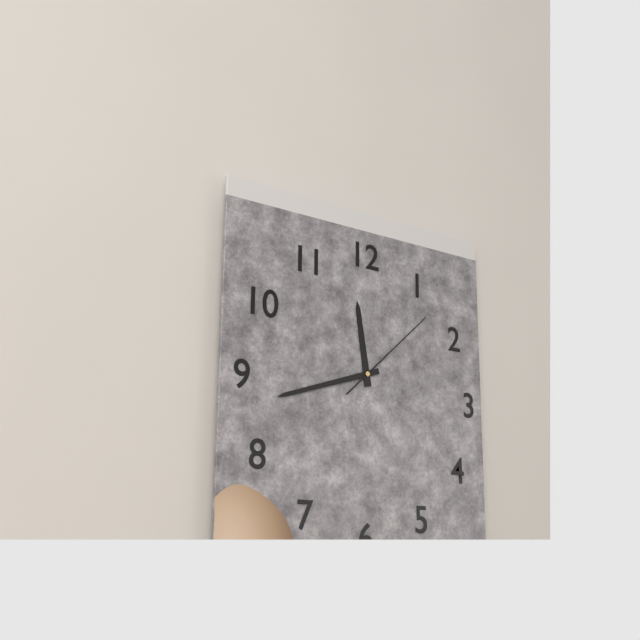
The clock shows 11:42:08
